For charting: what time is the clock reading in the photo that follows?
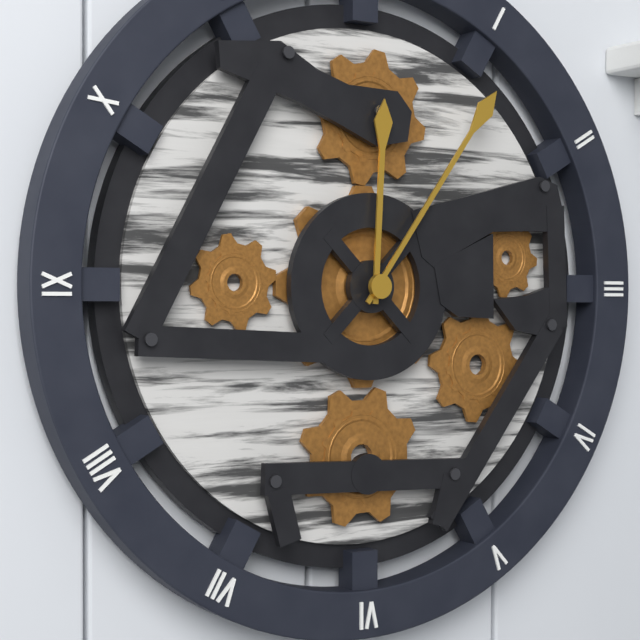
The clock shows 12:06
